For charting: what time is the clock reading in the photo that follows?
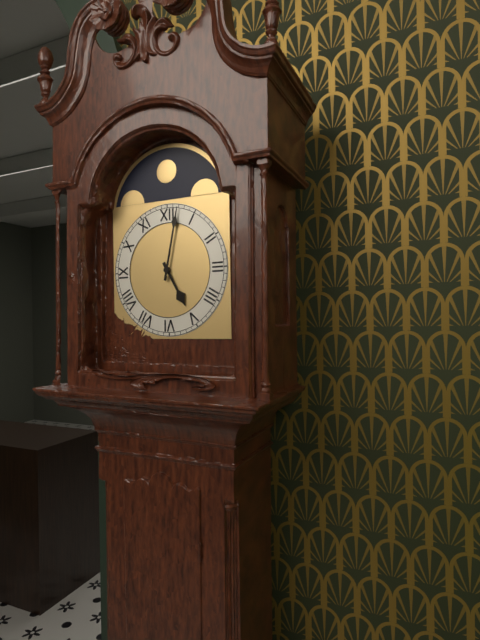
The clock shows 5:02
